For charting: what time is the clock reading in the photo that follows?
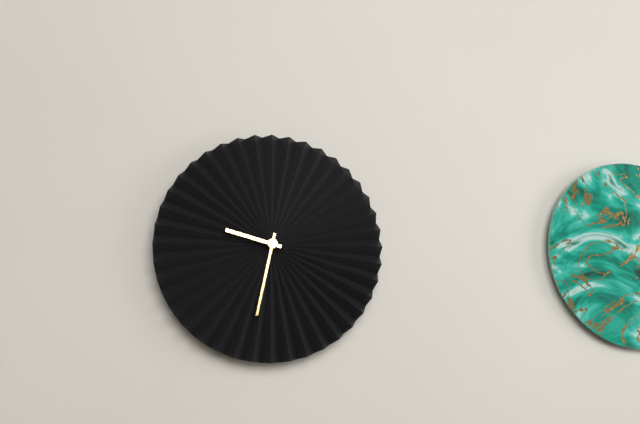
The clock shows 9:32
